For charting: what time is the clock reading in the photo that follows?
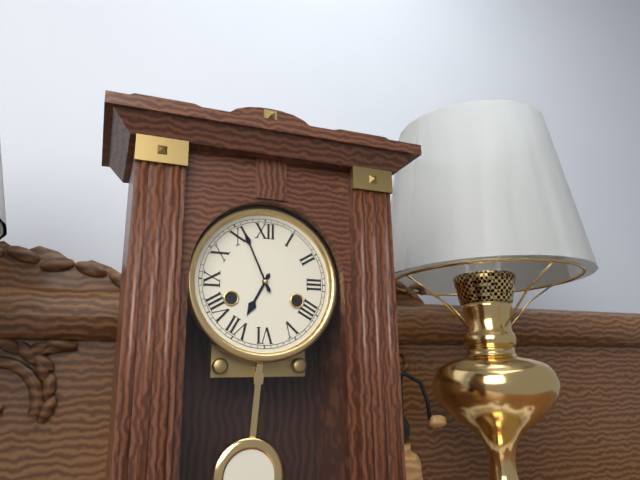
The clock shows 6:56
